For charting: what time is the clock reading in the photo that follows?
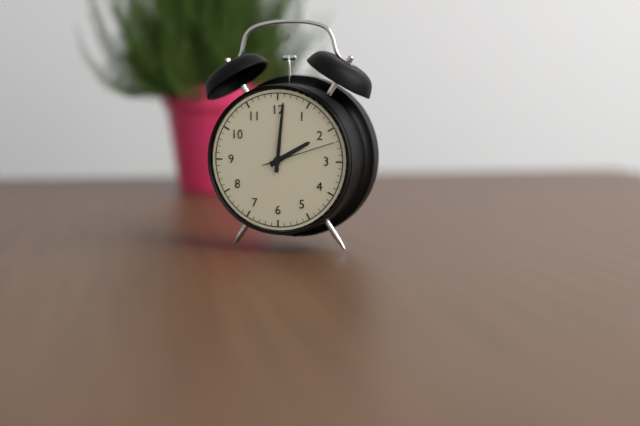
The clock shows 2:01:12
